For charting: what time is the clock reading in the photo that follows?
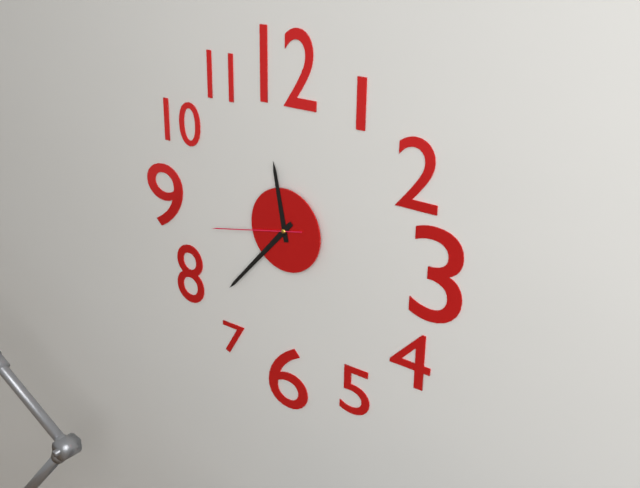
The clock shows 11:37:43
